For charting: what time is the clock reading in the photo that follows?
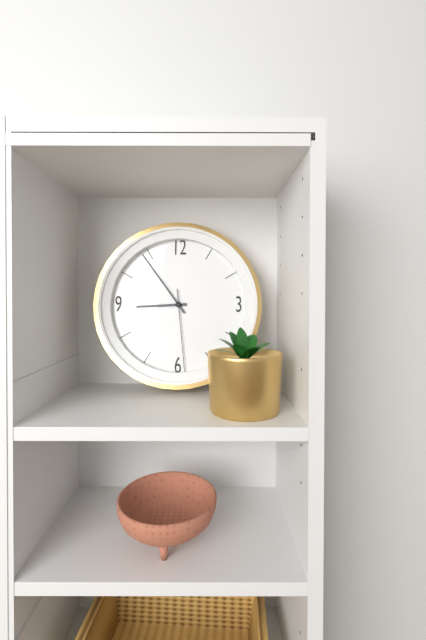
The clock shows 8:54:29
